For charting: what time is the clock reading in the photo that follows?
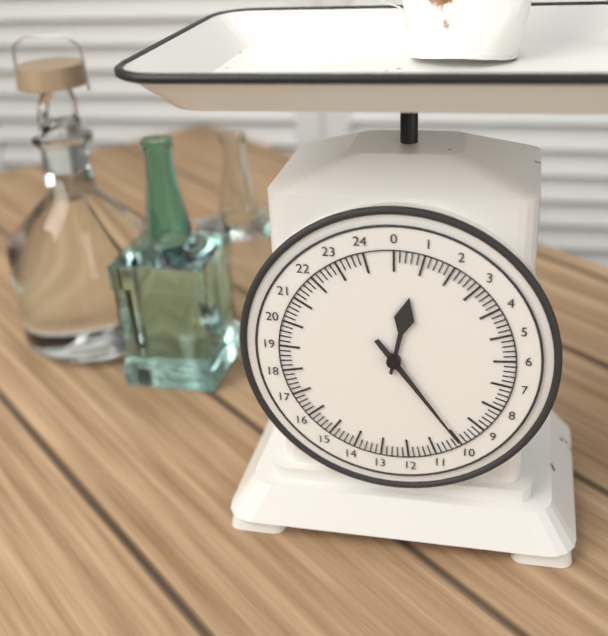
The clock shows 12:24
